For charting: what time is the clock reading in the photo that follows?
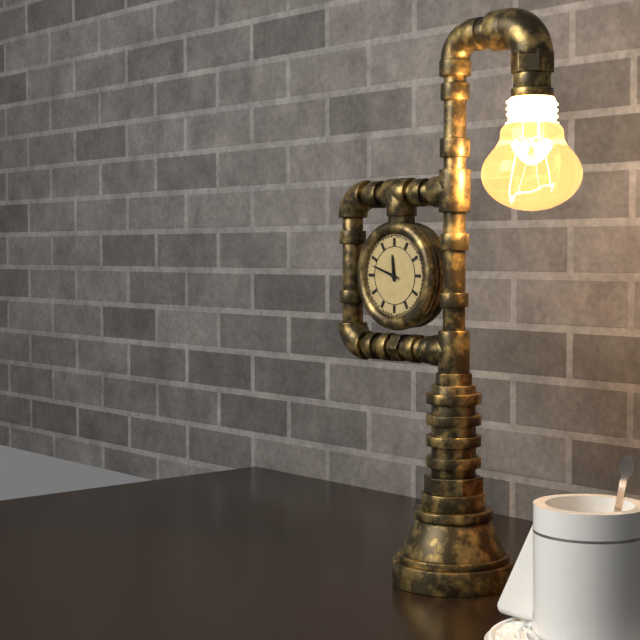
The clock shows 11:48
